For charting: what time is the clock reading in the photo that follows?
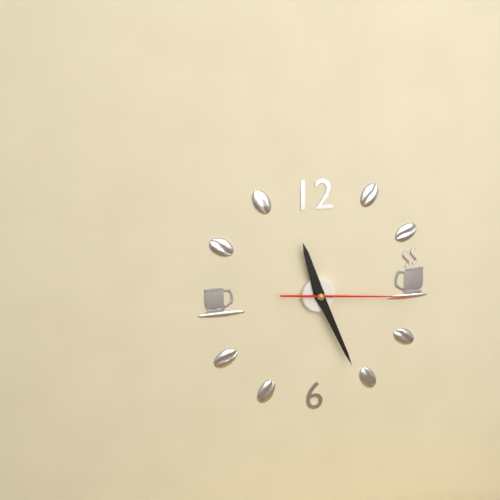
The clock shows 11:26:16
